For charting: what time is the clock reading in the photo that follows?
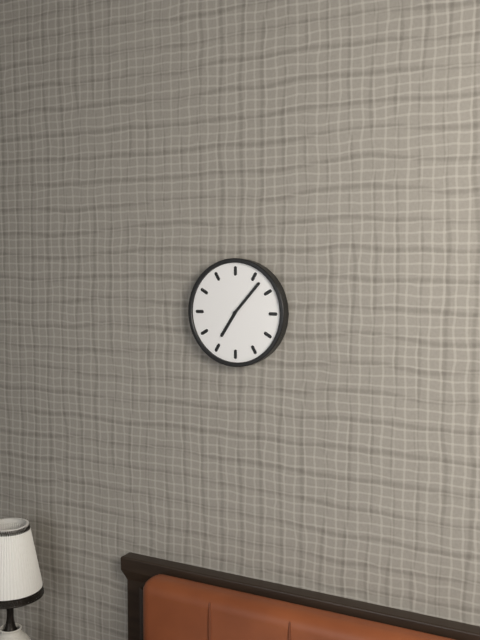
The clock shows 7:07
